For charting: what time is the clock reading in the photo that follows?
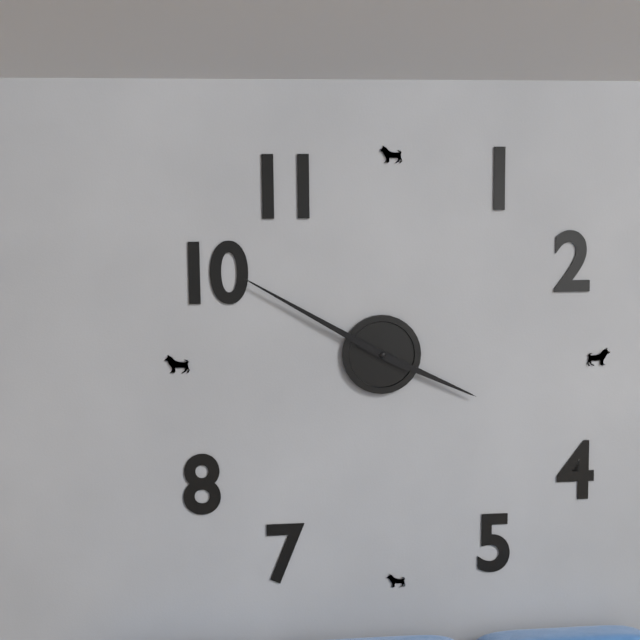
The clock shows 3:50
